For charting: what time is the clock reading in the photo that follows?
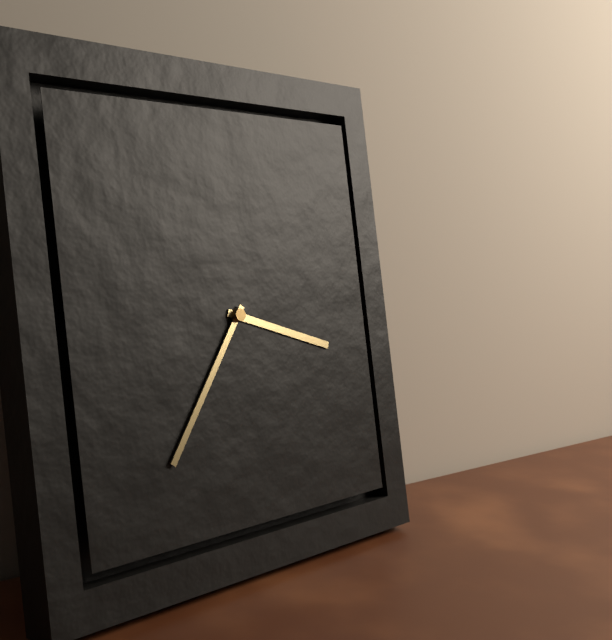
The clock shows 3:36
